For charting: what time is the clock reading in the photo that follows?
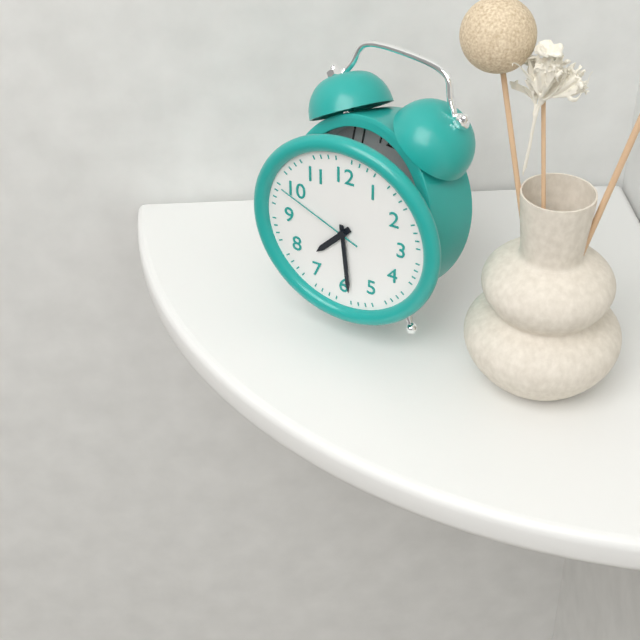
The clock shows 7:29:49
